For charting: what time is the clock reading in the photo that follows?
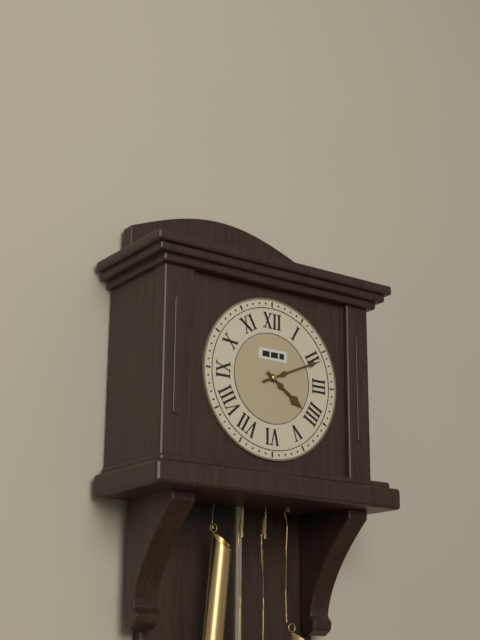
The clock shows 4:11
